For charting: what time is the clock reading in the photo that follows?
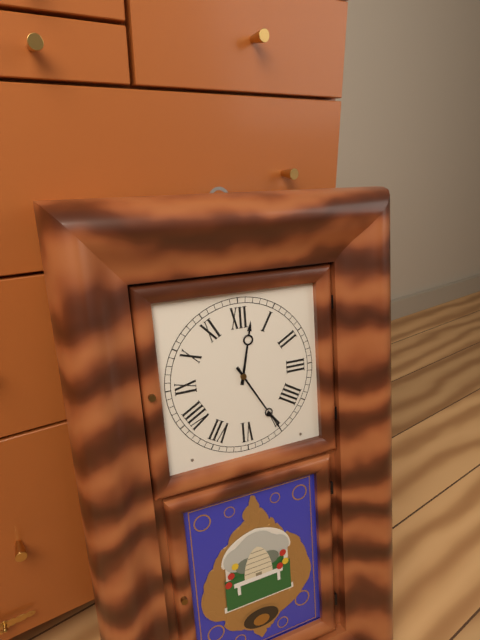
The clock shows 12:25
